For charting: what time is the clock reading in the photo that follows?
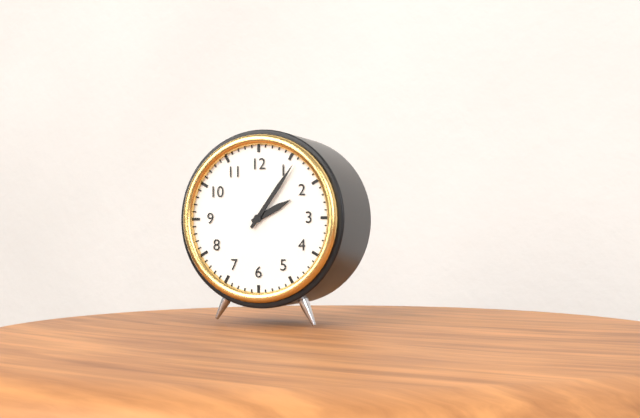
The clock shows 2:06
